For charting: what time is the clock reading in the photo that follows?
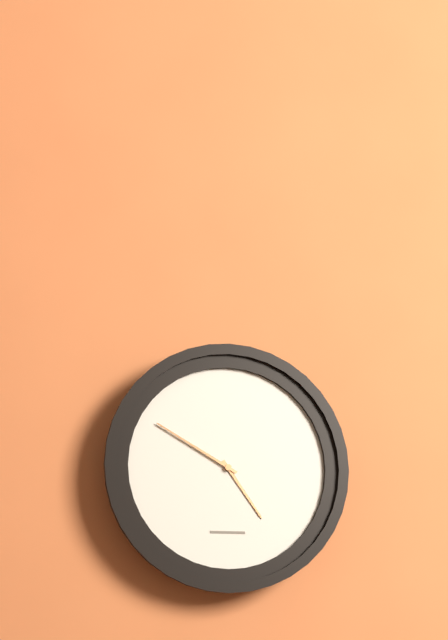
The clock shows 4:50
